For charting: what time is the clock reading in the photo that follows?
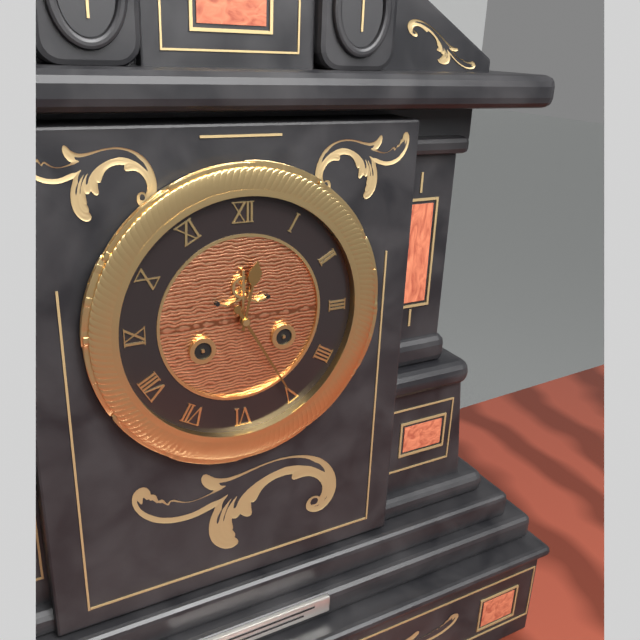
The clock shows 12:25
